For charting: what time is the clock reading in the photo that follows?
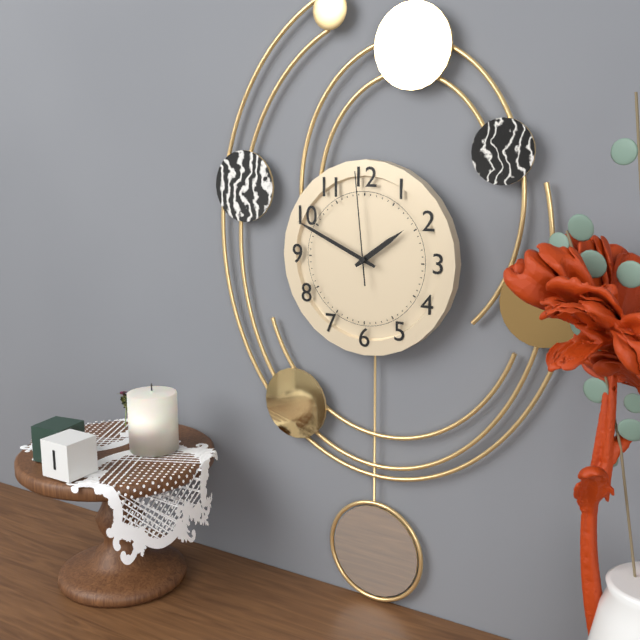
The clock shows 1:49:59
